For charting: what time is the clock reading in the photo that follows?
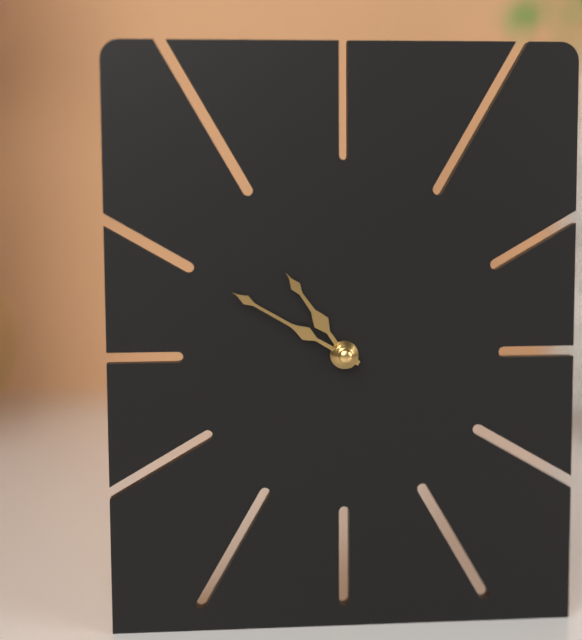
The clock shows 10:50
